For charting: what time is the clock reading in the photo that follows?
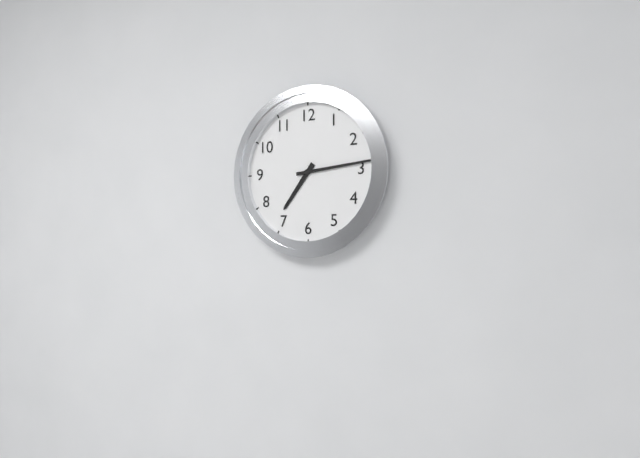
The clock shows 7:14
